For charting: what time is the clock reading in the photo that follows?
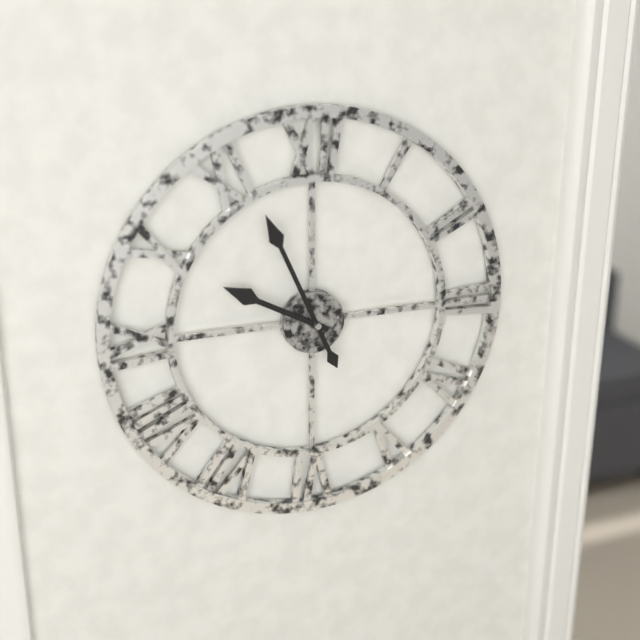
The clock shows 9:56
